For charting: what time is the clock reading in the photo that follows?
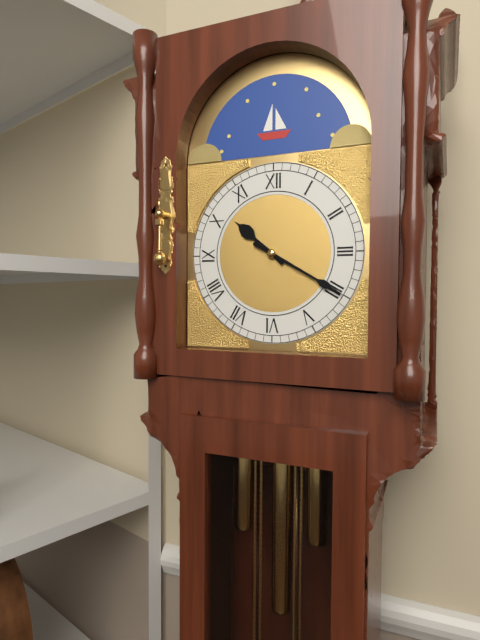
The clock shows 10:20
